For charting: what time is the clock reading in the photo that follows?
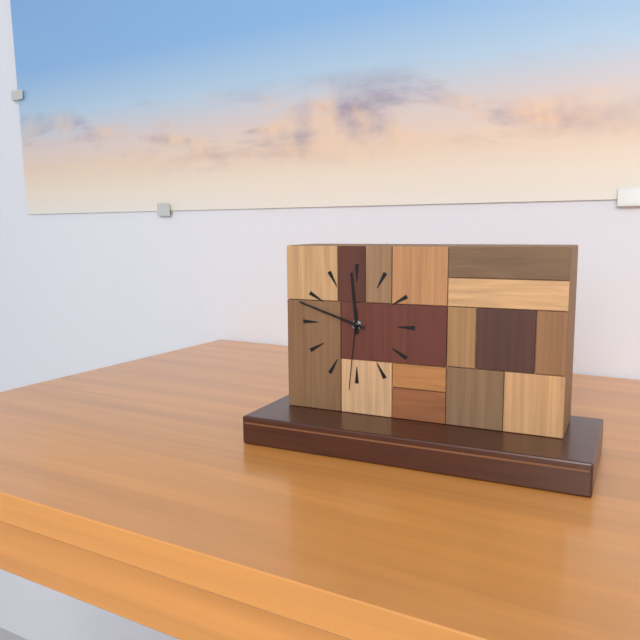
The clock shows 11:48:31
